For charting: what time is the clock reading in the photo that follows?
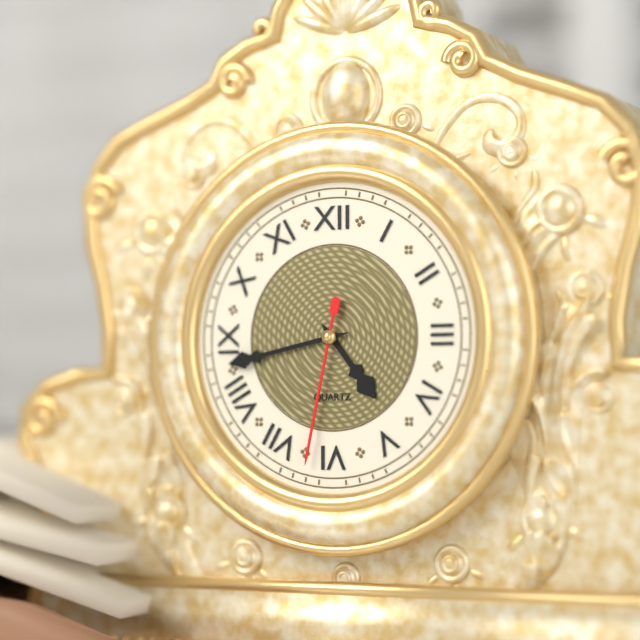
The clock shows 4:43:32
